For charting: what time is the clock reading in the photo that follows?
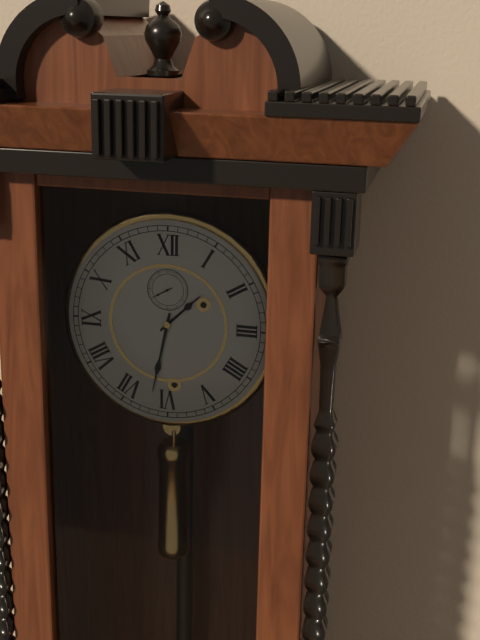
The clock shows 1:32
